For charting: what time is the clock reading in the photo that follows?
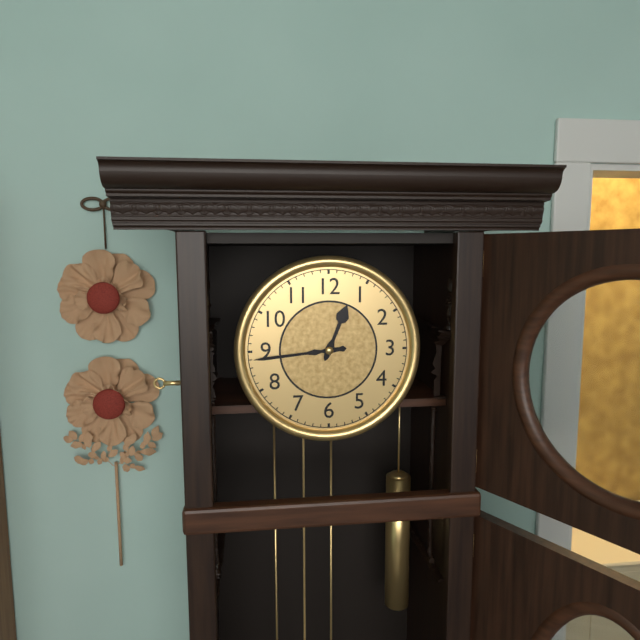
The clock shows 12:44
